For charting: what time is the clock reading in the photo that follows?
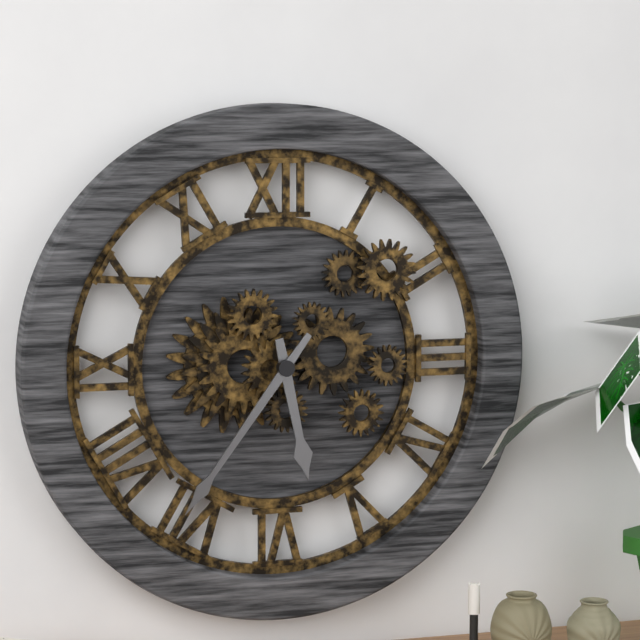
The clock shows 5:36
